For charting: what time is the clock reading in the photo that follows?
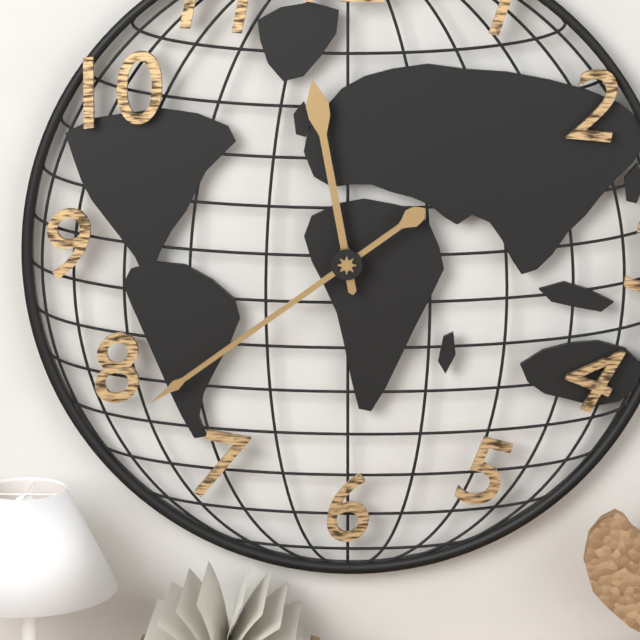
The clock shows 11:39
